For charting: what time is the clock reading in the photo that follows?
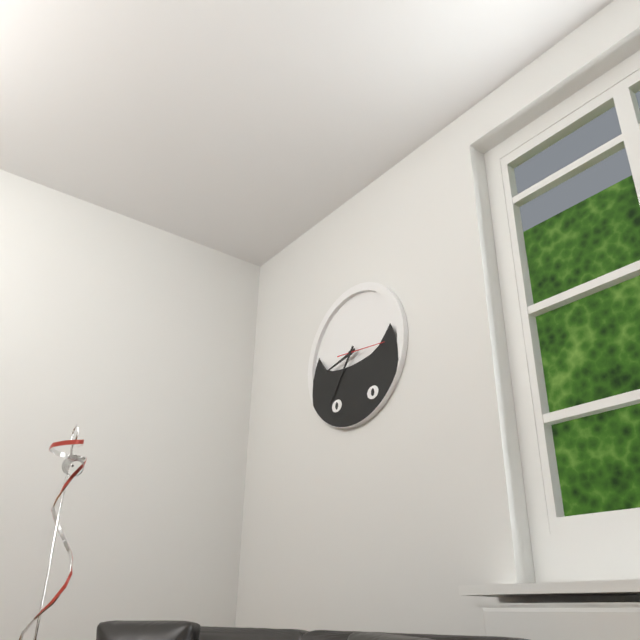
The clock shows 8:36
